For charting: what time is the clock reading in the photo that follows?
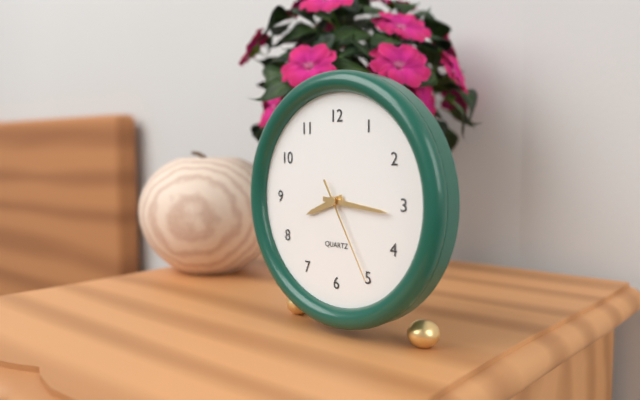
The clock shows 8:16:25
